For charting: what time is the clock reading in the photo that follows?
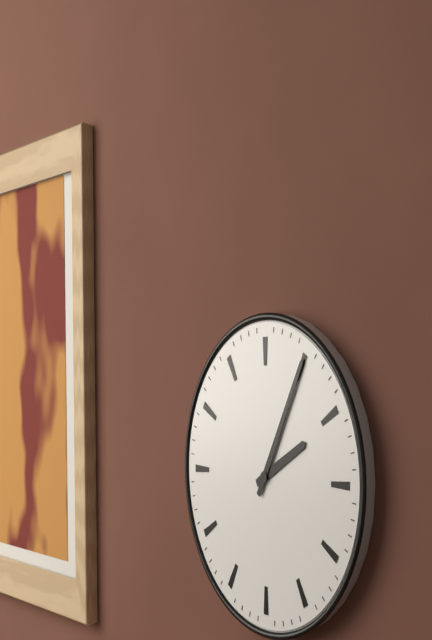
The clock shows 2:05
